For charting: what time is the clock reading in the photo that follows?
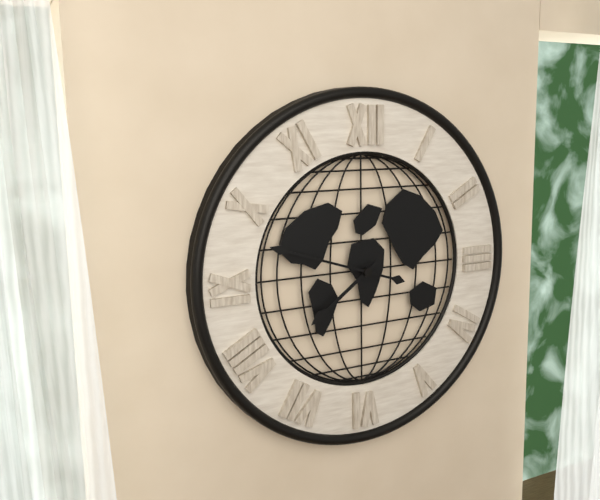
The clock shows 7:48
